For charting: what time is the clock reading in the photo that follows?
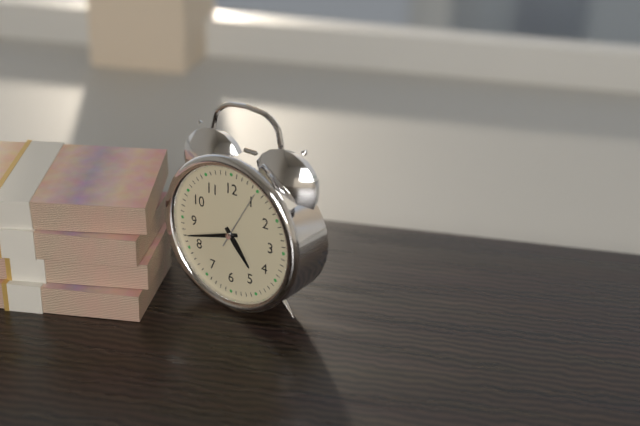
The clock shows 4:42:05
